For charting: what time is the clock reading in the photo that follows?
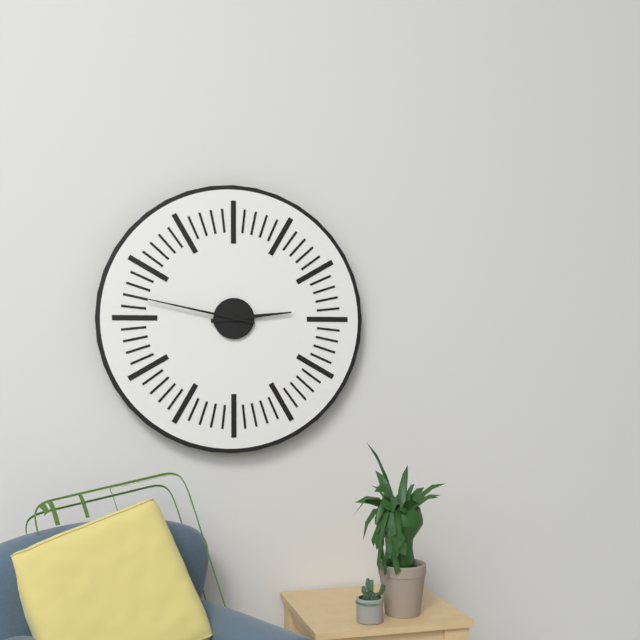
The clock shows 2:47
